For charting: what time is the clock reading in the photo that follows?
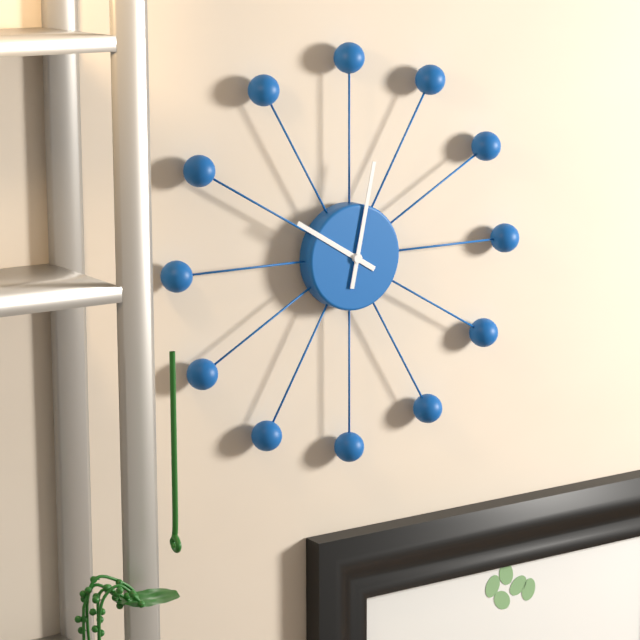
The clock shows 10:02
